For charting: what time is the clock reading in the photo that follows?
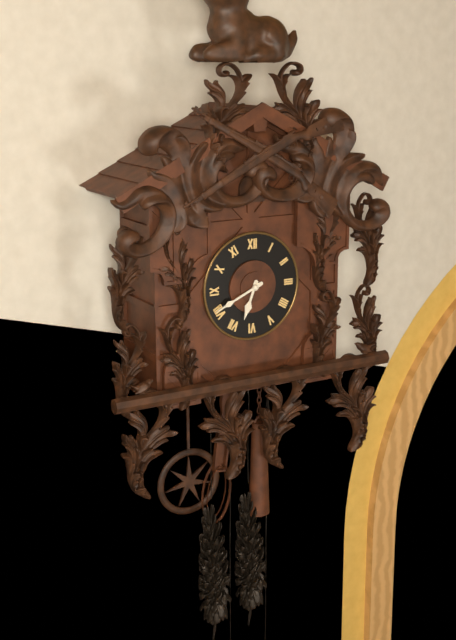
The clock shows 6:41
